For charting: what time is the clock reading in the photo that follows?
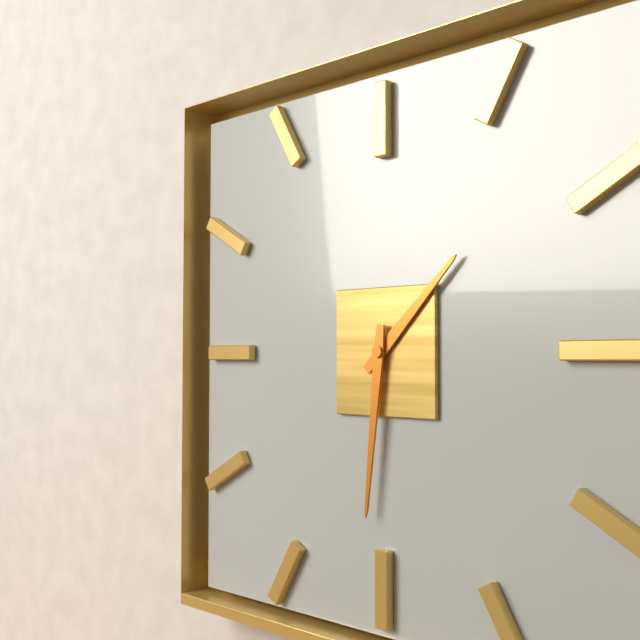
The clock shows 1:31
